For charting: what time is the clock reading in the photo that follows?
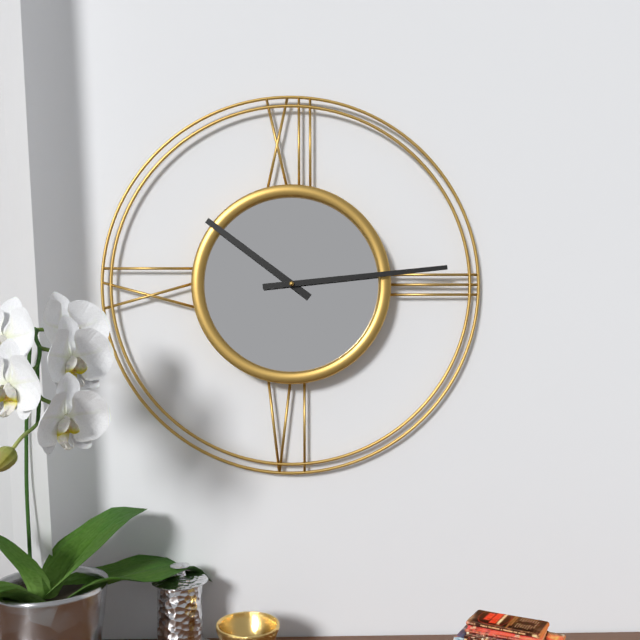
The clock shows 10:14
